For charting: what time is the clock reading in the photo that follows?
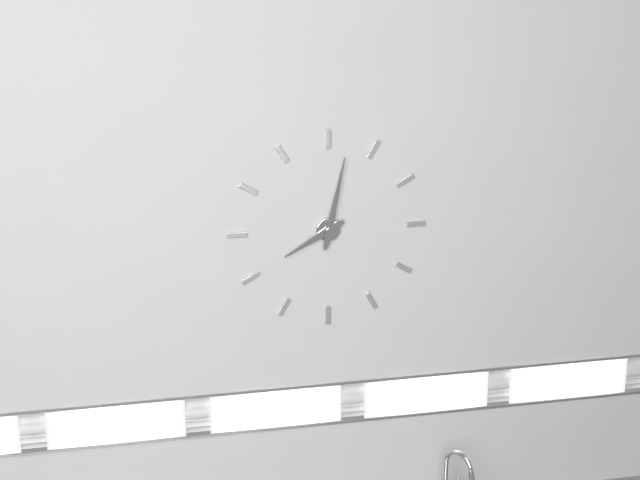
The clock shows 8:02
